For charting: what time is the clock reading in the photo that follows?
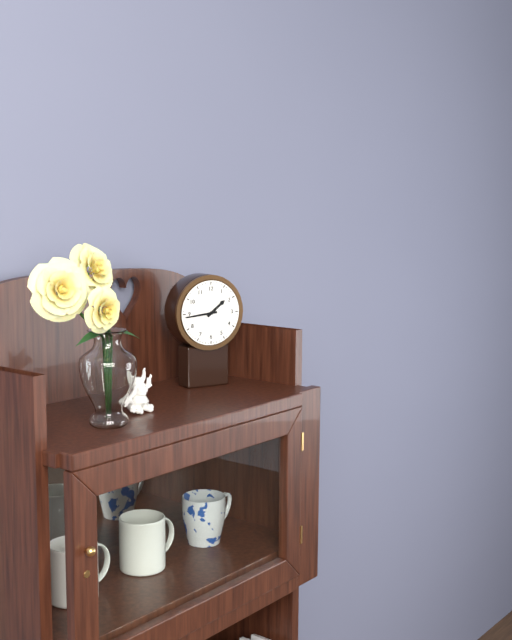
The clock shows 1:44
